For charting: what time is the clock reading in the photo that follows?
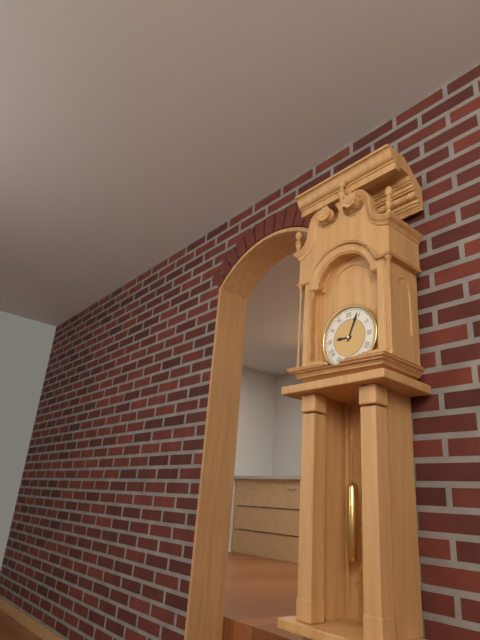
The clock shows 9:04
